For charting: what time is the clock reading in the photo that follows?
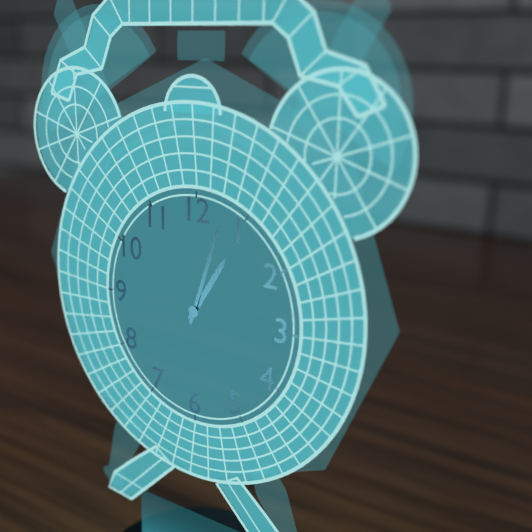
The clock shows 1:03
